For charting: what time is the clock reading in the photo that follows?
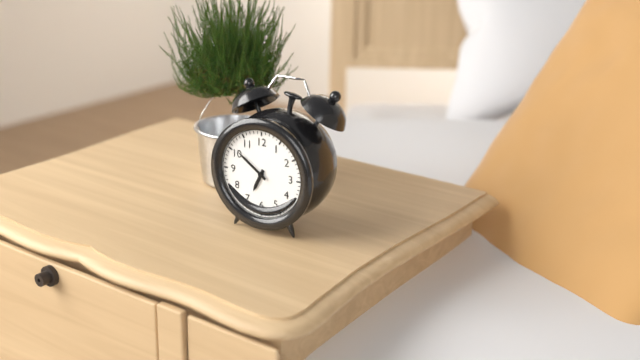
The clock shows 6:51
